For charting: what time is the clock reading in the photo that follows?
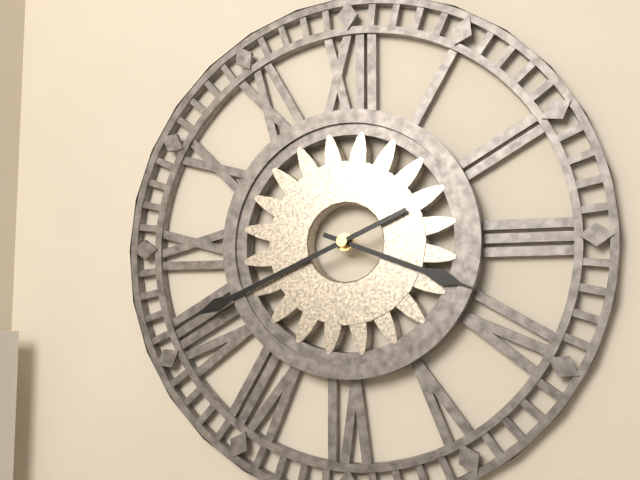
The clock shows 3:41
